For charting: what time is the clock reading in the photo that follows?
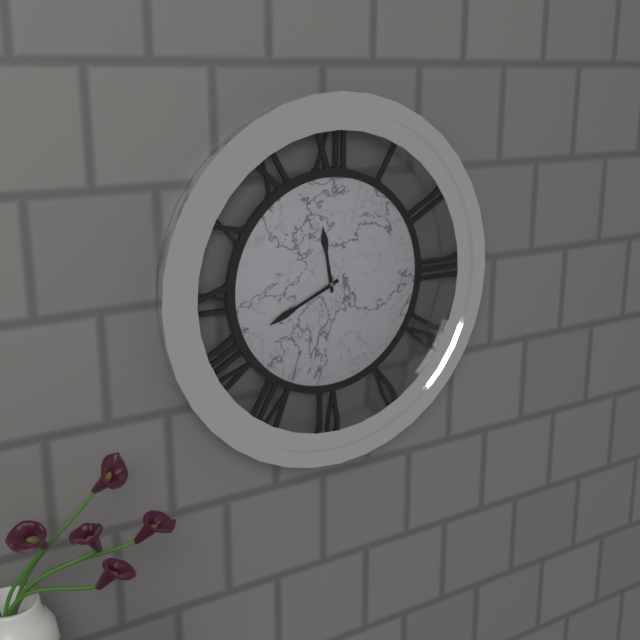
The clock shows 11:41
